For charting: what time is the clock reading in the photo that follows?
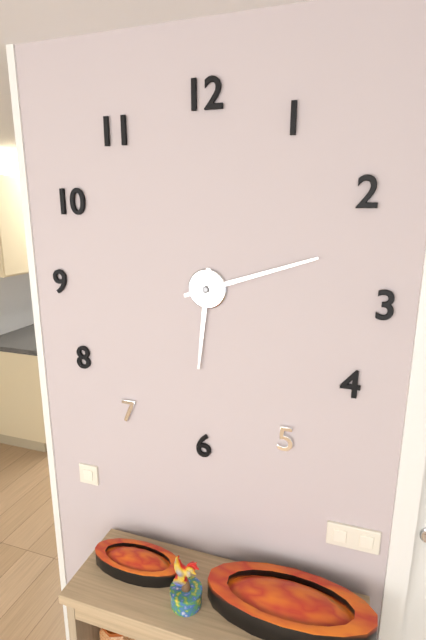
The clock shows 6:12
